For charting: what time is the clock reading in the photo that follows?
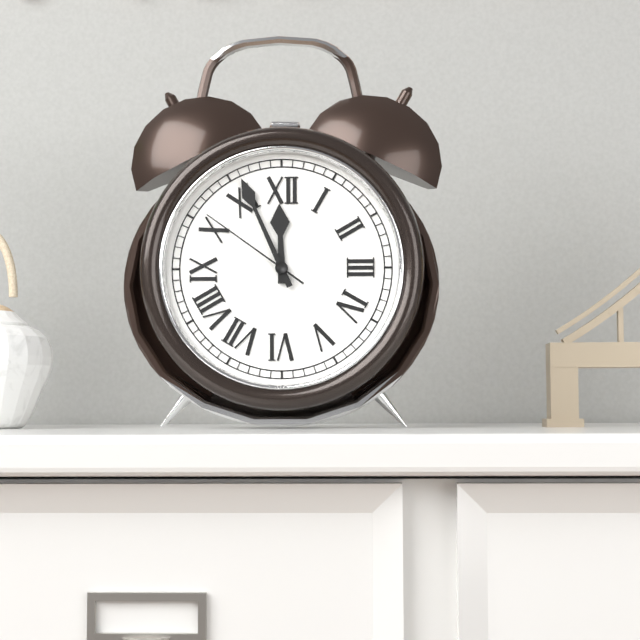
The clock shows 11:56:51
